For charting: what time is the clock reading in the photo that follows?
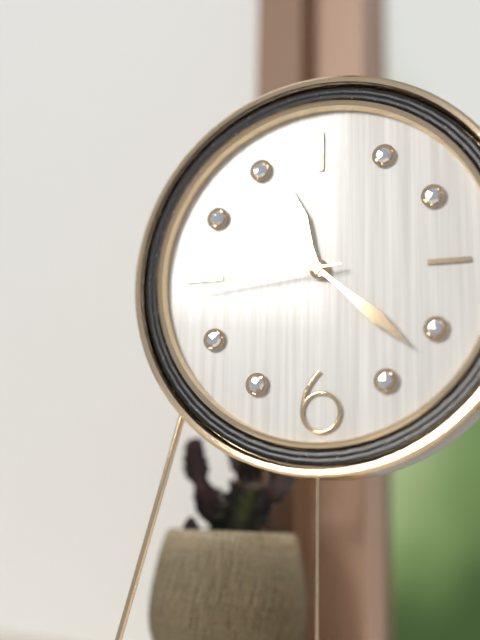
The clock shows 11:22:44
